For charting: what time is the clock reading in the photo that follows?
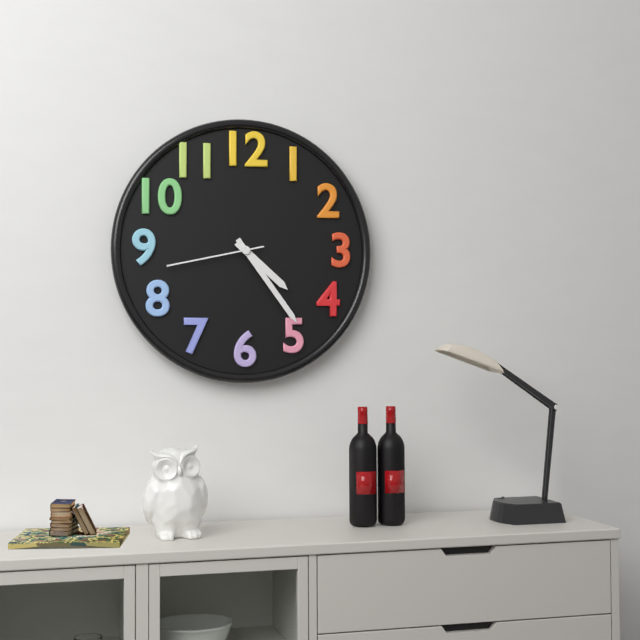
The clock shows 4:24:43
